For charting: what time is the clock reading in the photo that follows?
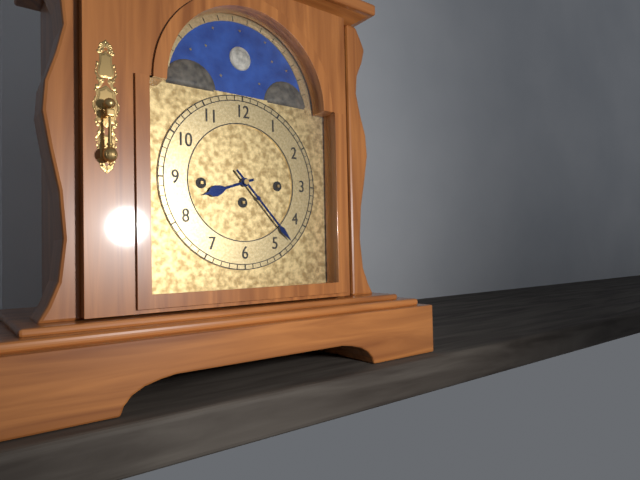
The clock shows 8:23
